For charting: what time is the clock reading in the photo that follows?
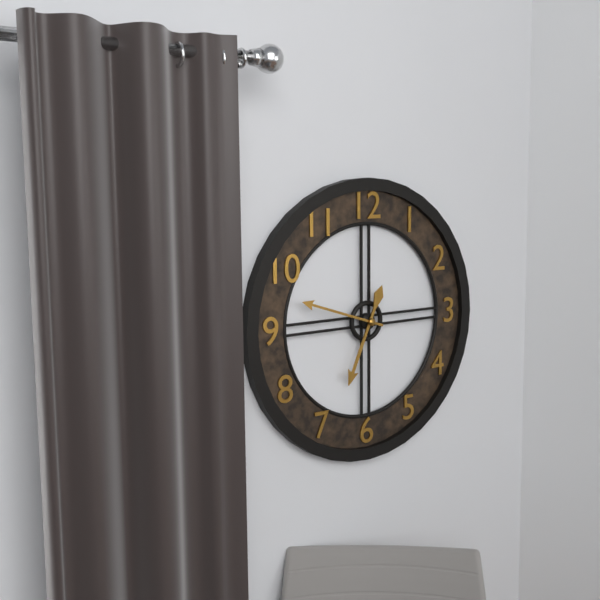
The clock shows 6:48
